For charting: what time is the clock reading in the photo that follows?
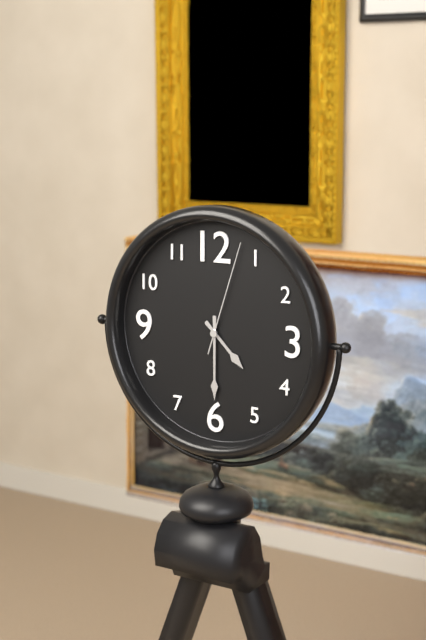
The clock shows 4:30:03
